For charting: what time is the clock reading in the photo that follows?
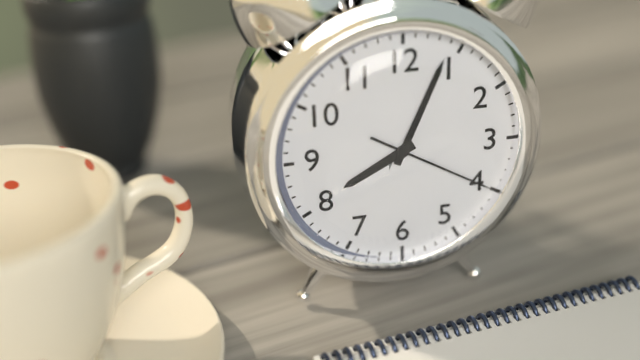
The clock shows 8:04:20
